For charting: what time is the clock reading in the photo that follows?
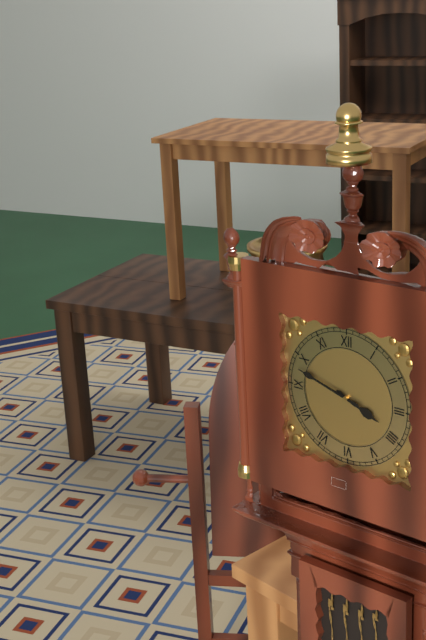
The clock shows 3:48
